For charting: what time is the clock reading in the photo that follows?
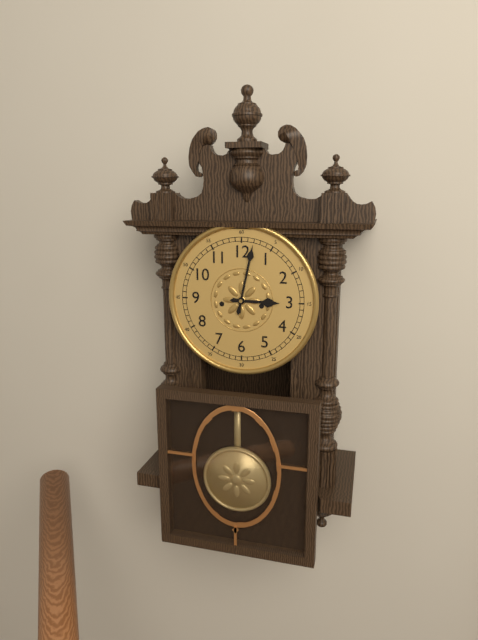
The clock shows 3:02
